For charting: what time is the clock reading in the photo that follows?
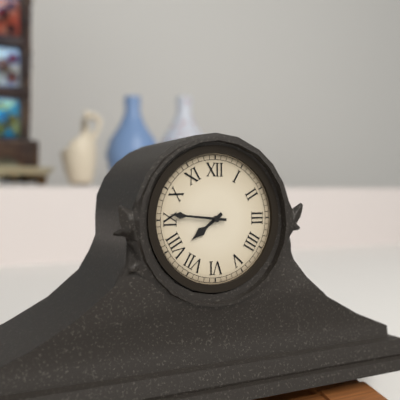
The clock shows 7:46
